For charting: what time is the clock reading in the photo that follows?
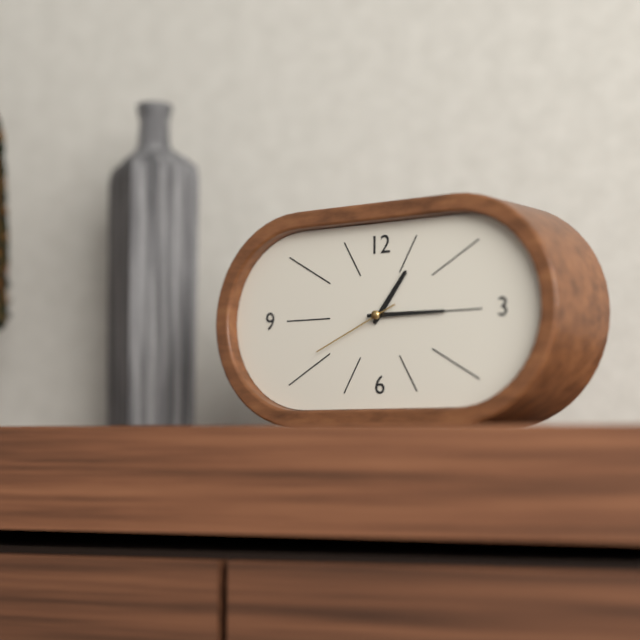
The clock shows 1:15:41
